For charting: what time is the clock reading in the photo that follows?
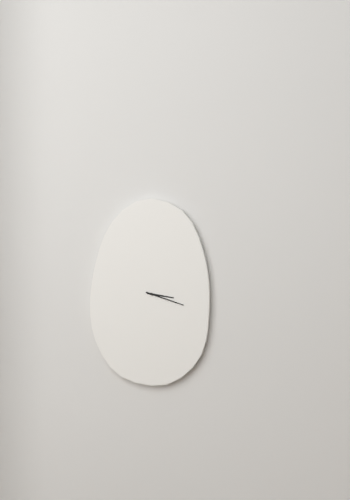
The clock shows 3:18
